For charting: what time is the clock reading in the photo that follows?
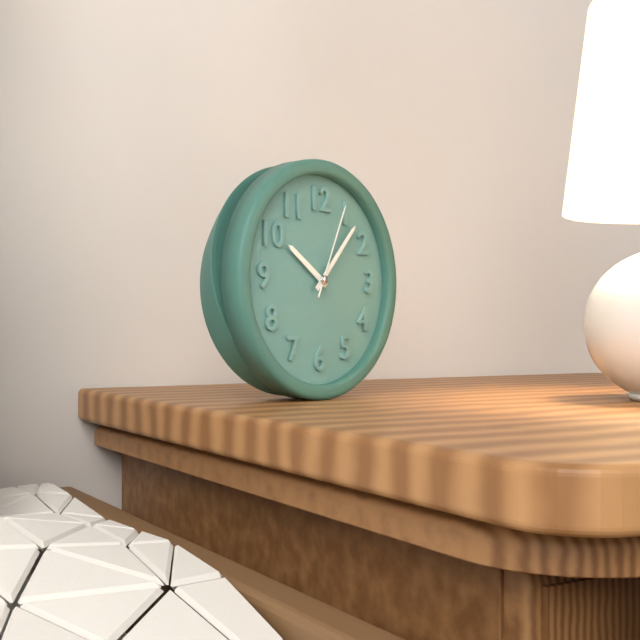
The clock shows 10:07:04
